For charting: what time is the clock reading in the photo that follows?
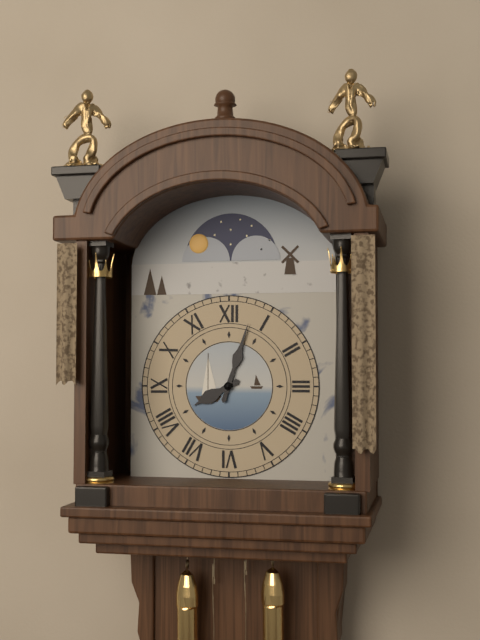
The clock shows 8:03
